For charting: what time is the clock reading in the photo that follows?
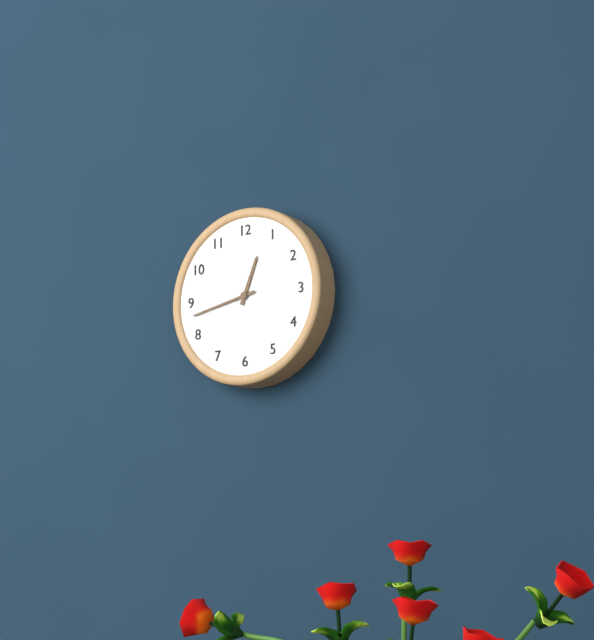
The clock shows 12:43
